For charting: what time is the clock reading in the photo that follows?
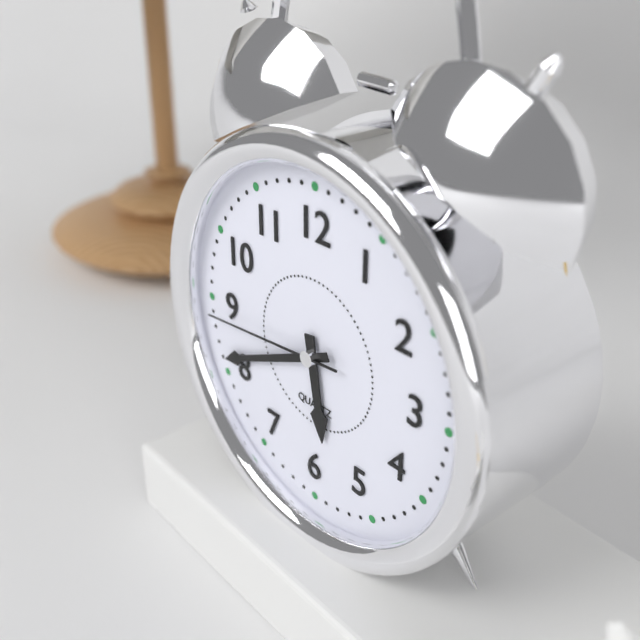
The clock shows 5:41:44
